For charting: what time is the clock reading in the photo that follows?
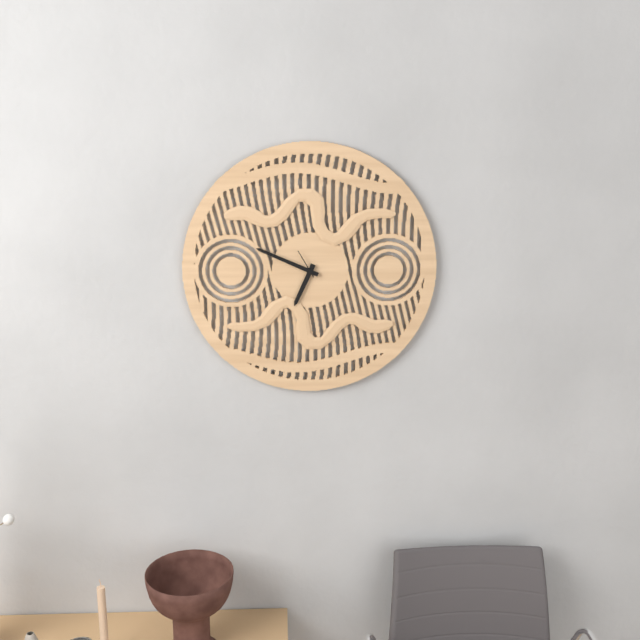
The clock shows 6:49
